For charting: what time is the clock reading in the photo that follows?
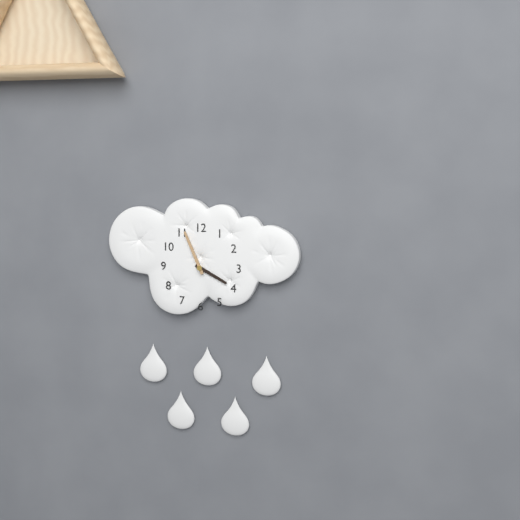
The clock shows 3:56
